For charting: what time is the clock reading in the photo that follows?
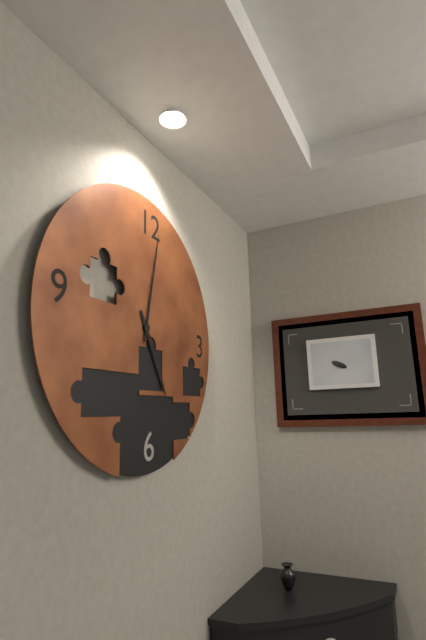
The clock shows 5:02
